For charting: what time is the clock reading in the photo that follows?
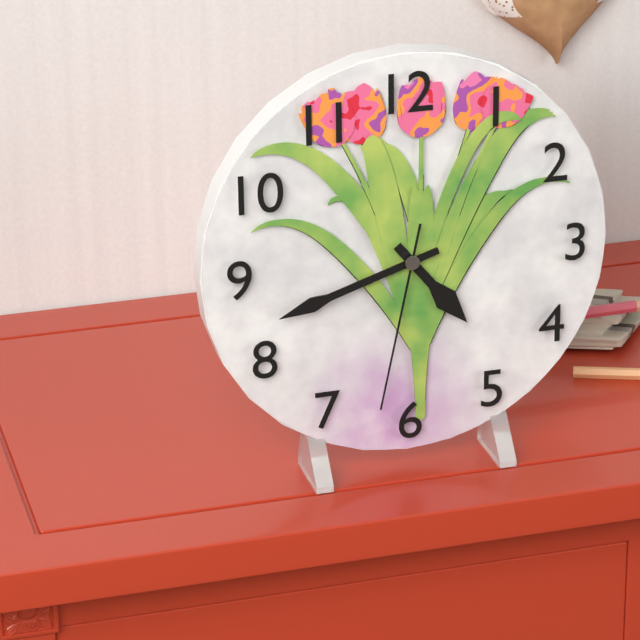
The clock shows 4:42:32
